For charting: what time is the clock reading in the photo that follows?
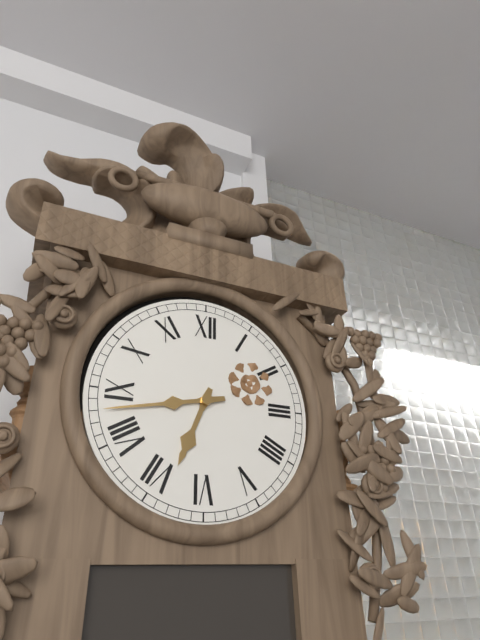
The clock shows 6:43
